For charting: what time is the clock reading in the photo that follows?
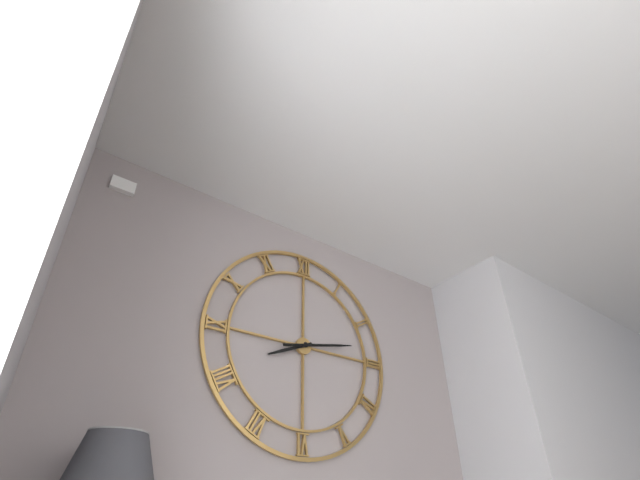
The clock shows 8:13
